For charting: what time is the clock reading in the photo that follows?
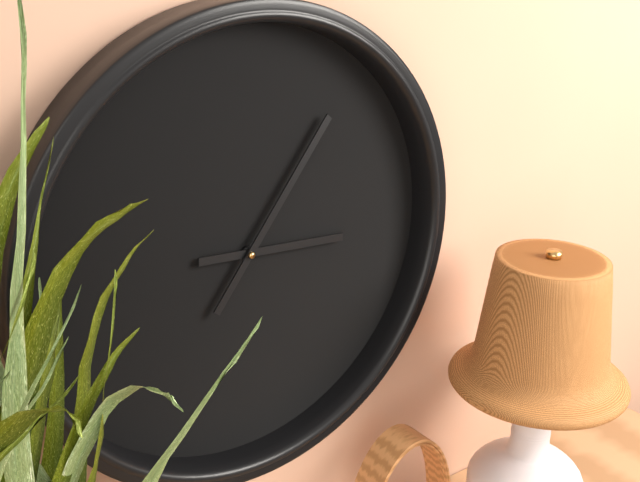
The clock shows 3:06
